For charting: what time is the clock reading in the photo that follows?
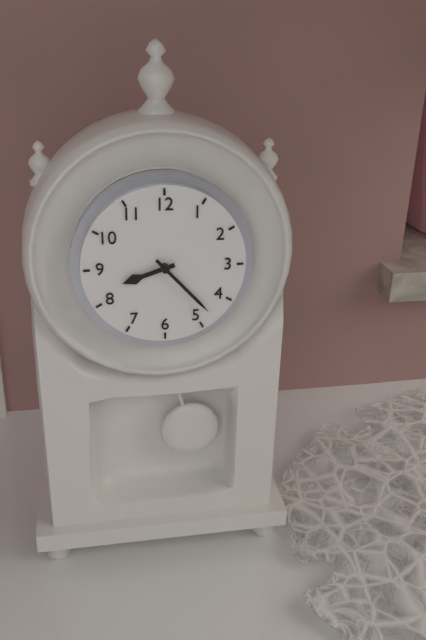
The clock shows 8:23
